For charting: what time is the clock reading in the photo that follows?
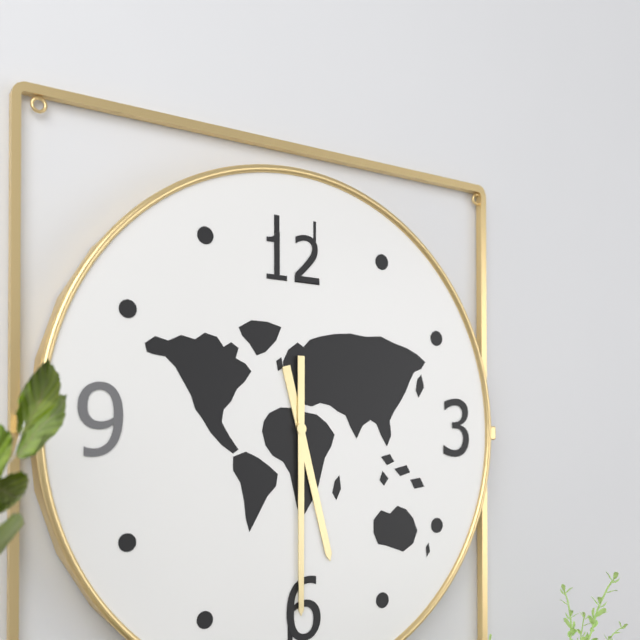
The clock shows 5:30
